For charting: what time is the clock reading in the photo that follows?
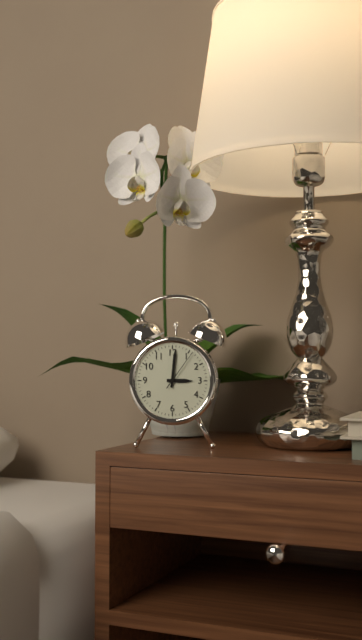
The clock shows 3:01
